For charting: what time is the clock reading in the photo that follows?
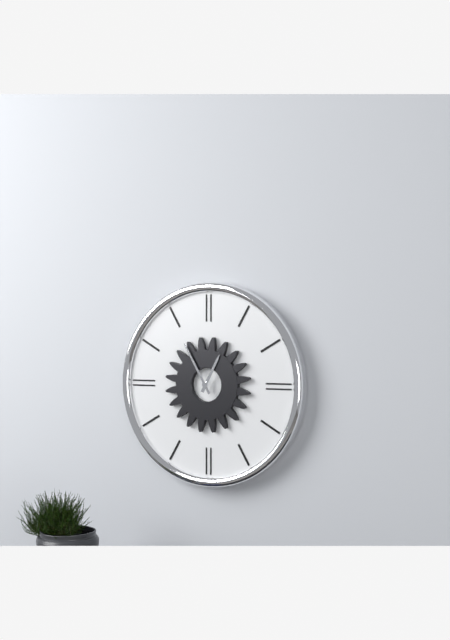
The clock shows 12:55
